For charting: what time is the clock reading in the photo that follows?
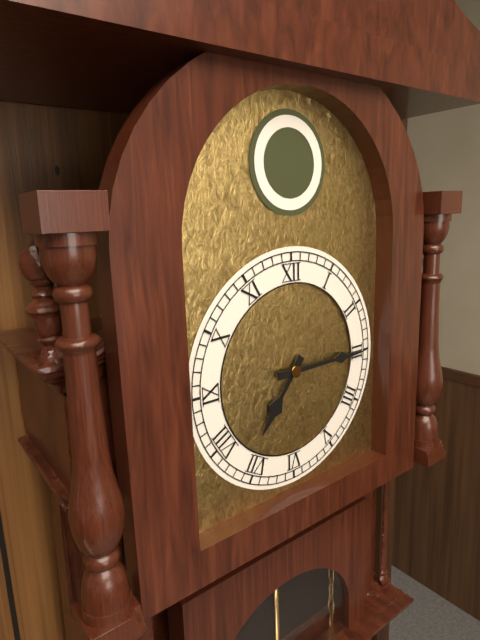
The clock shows 7:15
